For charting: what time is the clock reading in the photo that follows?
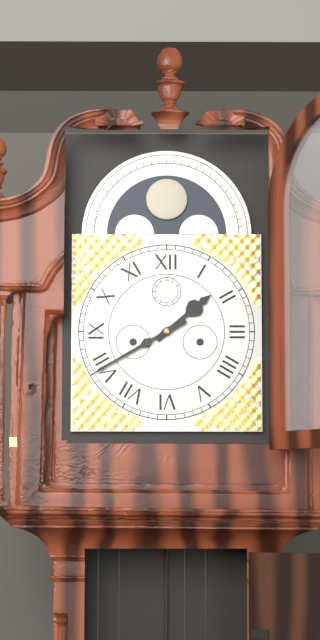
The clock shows 1:40
